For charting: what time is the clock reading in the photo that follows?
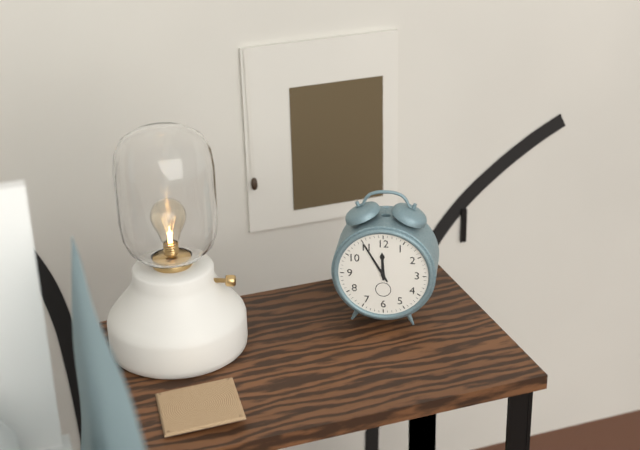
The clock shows 11:55
